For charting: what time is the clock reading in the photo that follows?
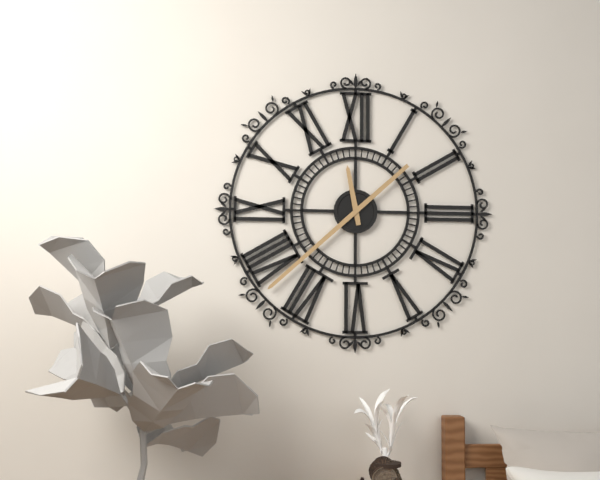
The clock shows 11:38
